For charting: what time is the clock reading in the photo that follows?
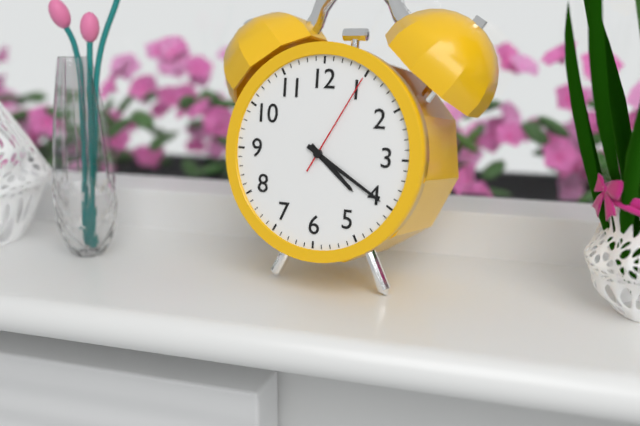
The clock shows 4:20:05
